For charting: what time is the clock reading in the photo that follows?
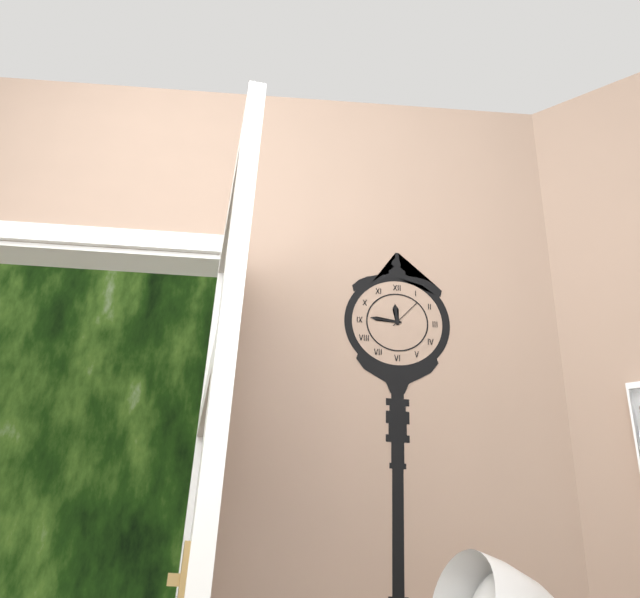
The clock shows 11:46
